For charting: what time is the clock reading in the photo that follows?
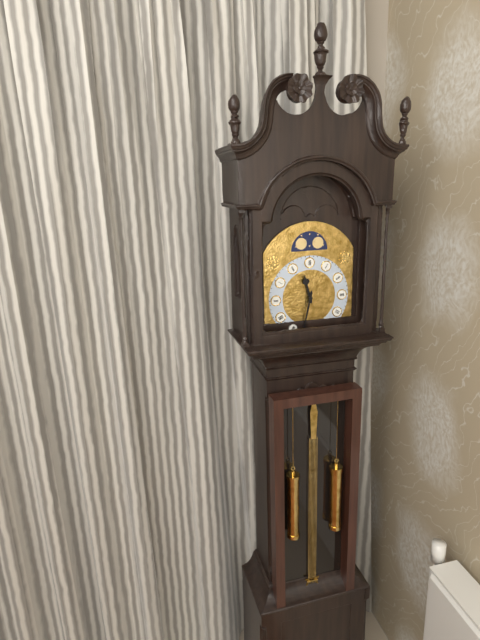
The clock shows 11:32
